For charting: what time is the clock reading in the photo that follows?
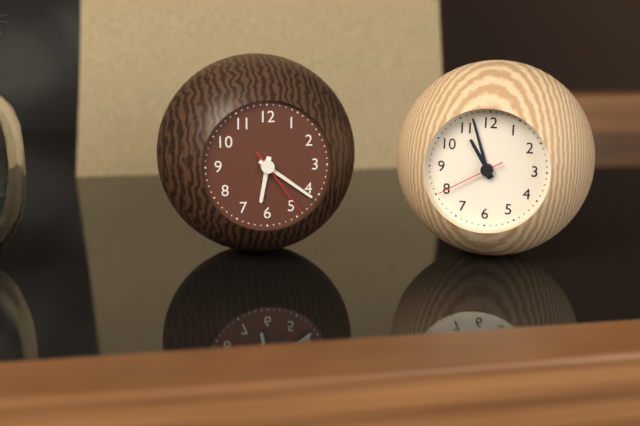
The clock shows 6:21:24
